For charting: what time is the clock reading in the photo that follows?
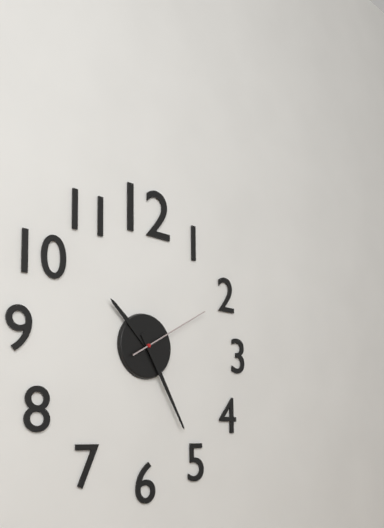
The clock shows 10:25:10
